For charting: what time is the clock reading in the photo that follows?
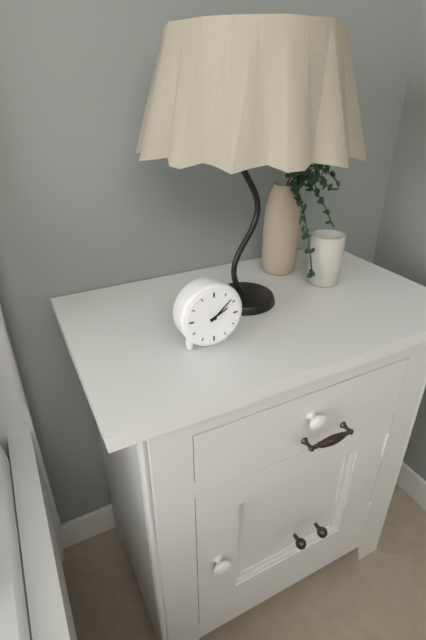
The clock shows 2:08
